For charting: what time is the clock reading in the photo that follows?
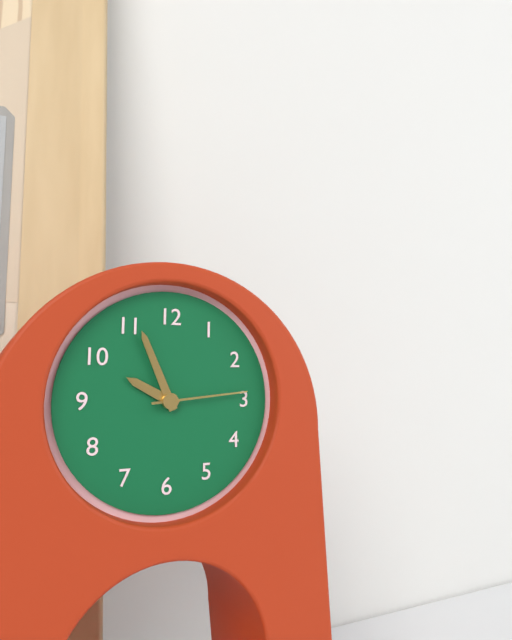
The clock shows 9:56:14
